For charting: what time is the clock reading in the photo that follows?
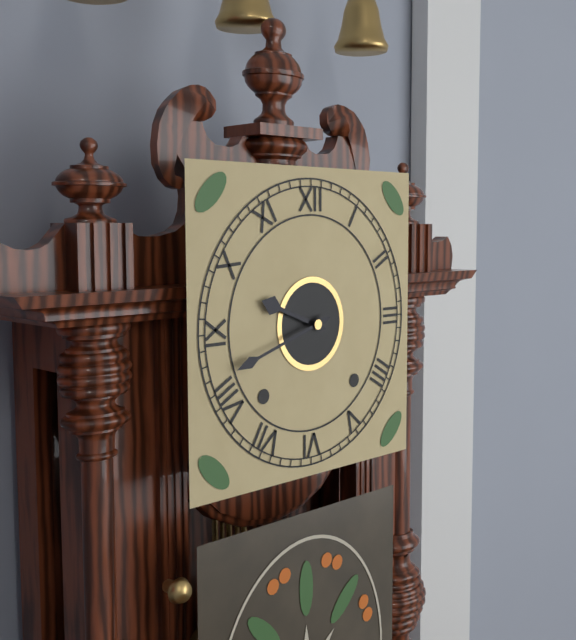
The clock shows 9:42
